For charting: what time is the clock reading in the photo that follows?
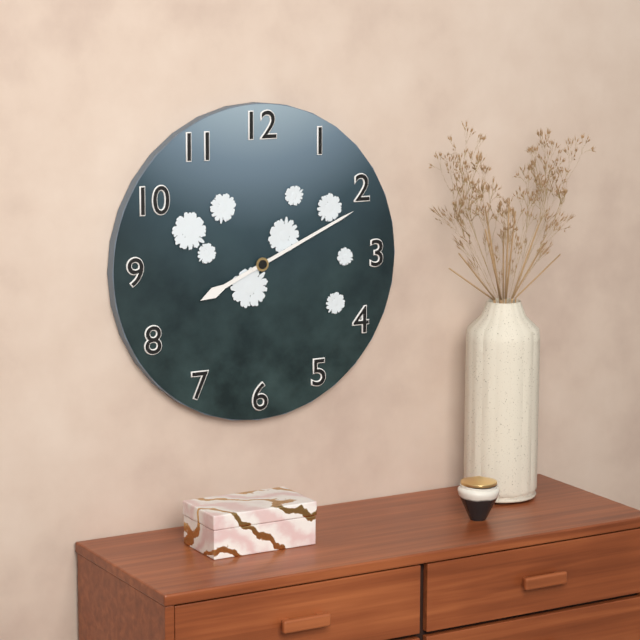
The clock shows 8:11
